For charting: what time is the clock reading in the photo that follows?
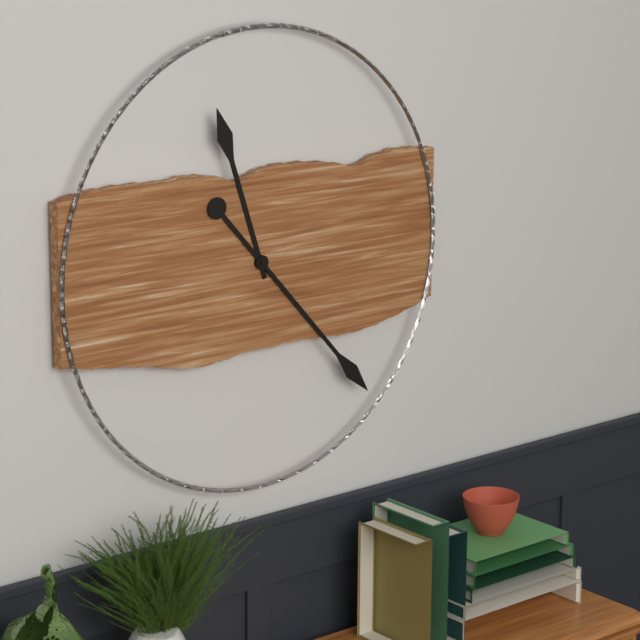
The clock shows 11:23
